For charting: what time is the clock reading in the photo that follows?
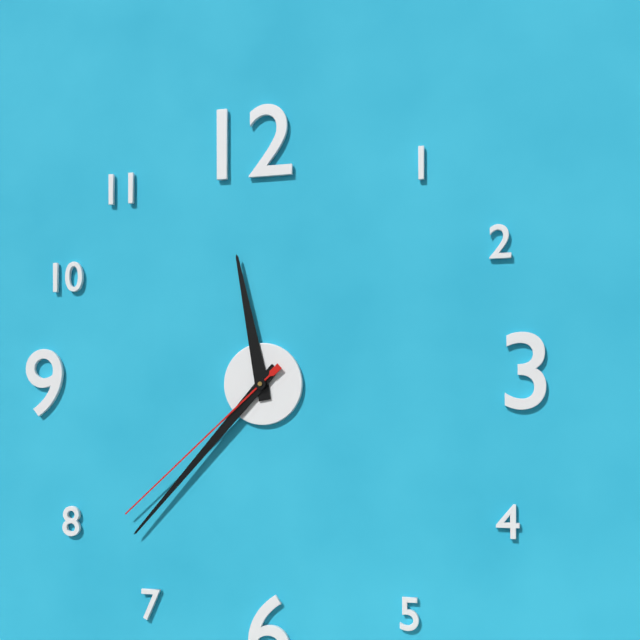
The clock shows 11:37:38
